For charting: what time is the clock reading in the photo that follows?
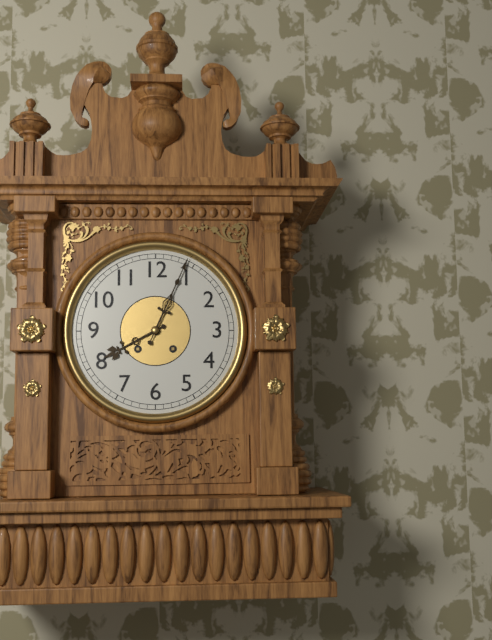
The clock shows 8:04
